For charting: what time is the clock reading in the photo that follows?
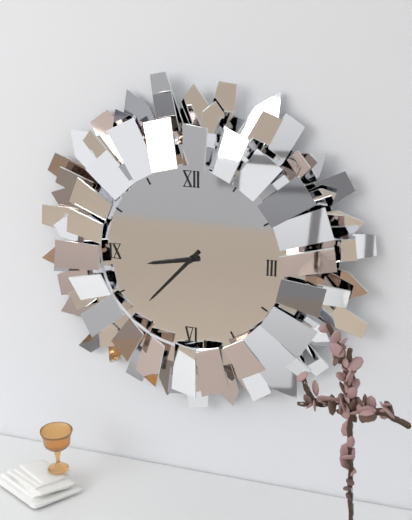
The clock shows 8:37
